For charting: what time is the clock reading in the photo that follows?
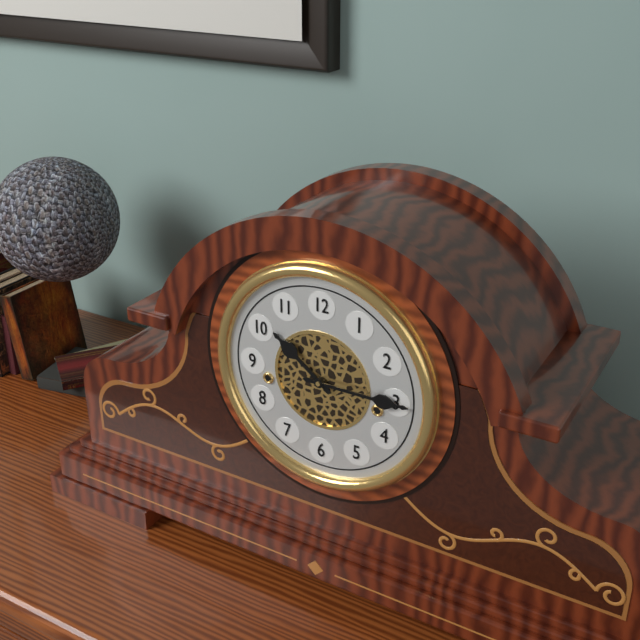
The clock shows 10:15
